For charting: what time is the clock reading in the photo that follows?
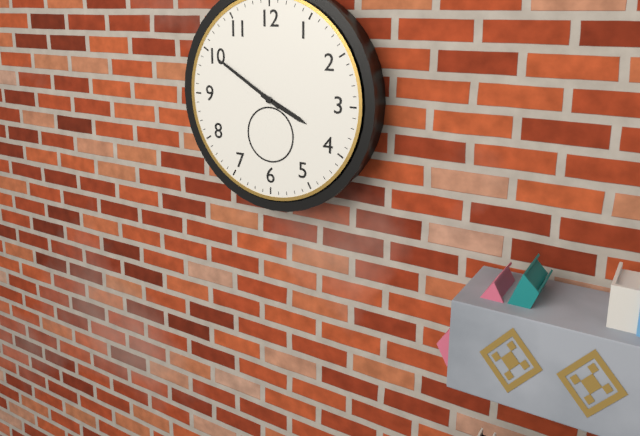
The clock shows 3:50
